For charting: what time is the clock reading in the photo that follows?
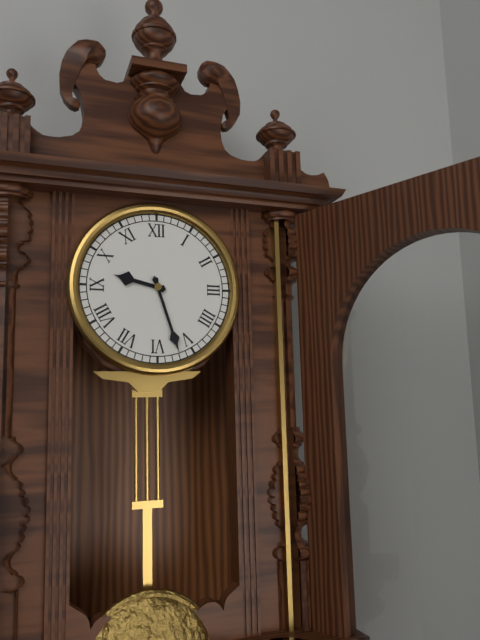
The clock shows 9:27
